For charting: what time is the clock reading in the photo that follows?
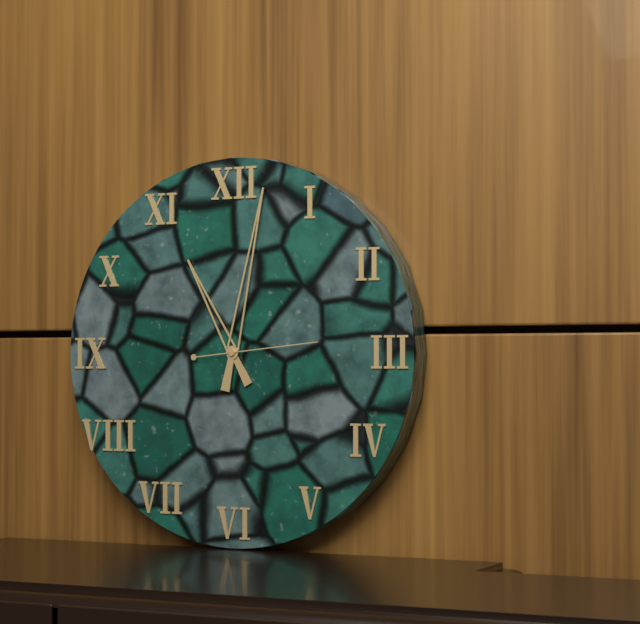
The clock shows 11:02:14
